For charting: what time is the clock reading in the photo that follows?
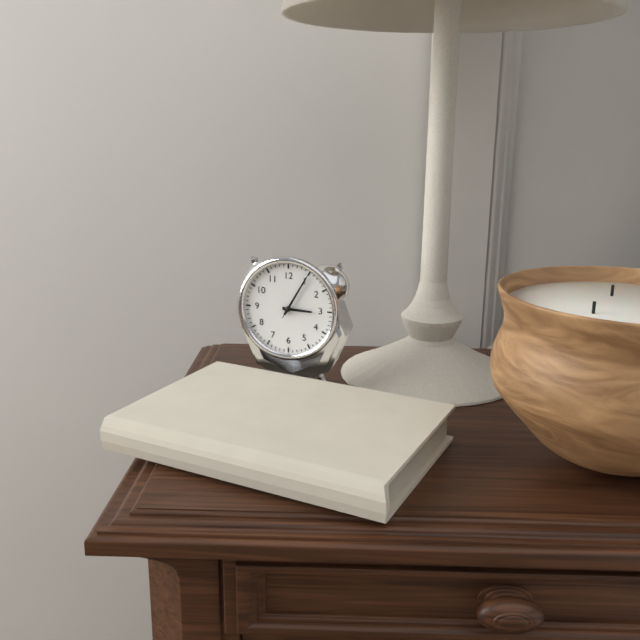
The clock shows 3:05
